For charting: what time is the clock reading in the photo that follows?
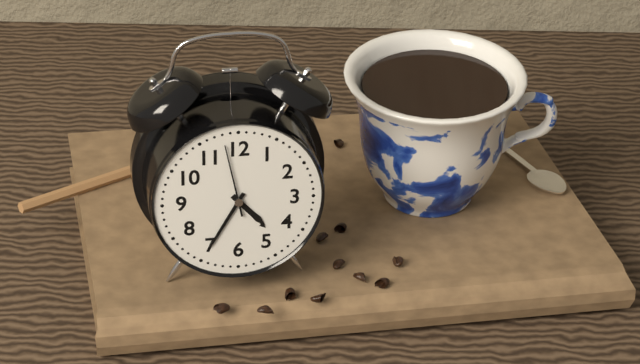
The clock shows 4:35:58
